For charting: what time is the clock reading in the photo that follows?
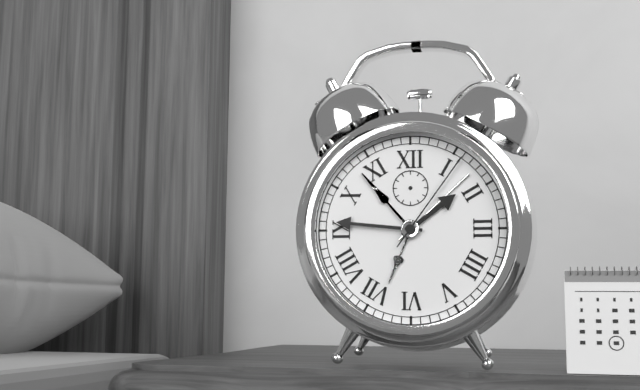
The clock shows 1:46:06
